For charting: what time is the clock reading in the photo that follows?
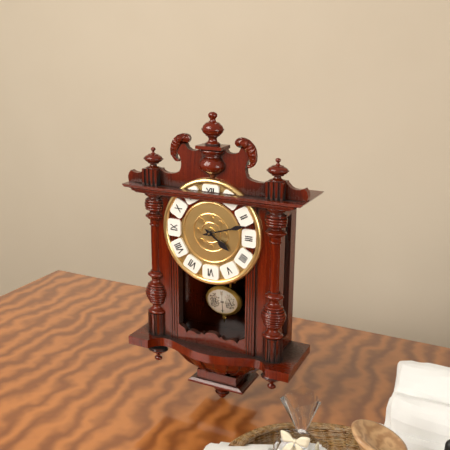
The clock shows 4:12
